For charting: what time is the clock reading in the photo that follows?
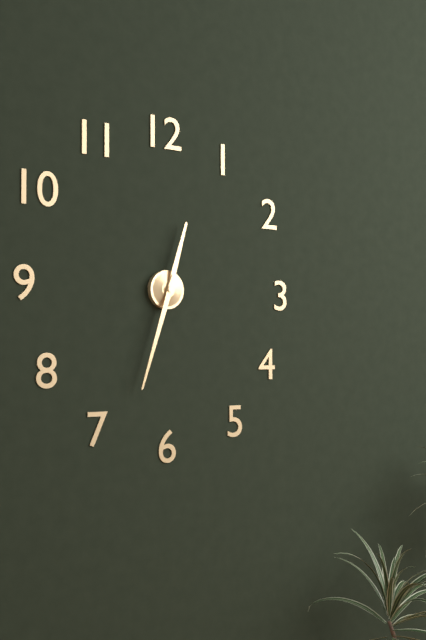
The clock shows 12:33
